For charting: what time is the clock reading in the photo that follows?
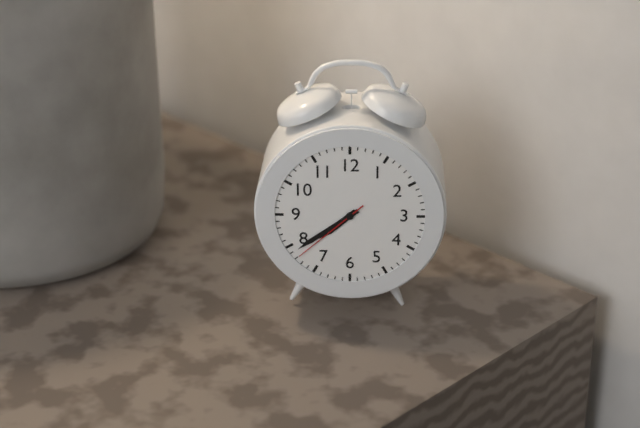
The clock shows 7:39:38
